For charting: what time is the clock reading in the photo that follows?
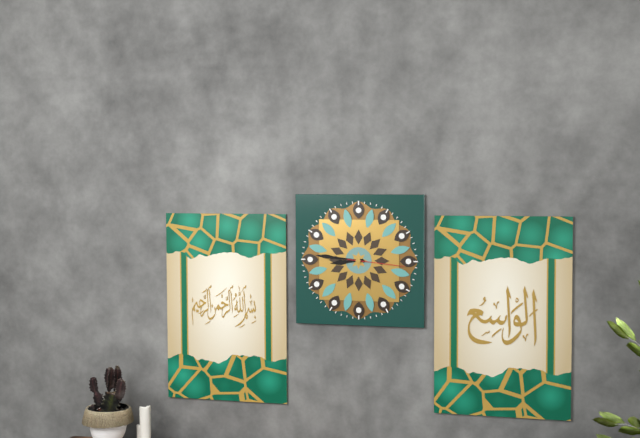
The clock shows 8:46:16
